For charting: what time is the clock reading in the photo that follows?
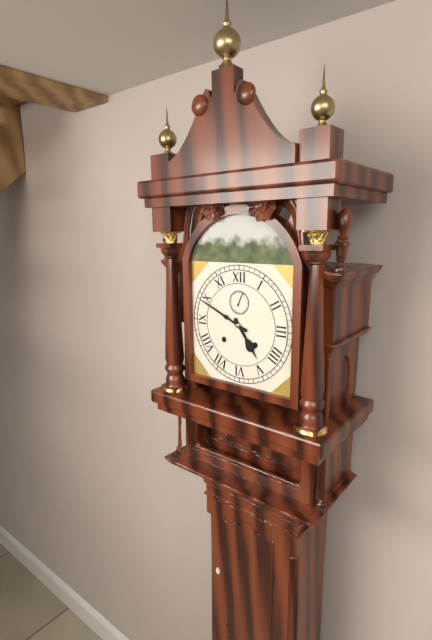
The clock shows 4:49
